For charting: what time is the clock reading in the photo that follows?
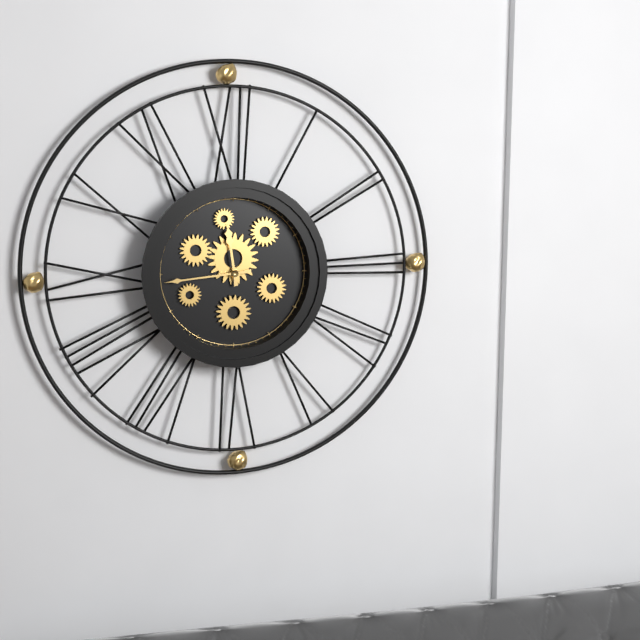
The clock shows 11:44
